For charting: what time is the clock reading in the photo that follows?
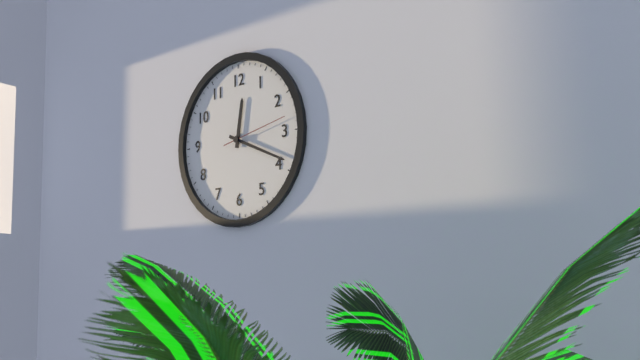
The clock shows 12:19:13
